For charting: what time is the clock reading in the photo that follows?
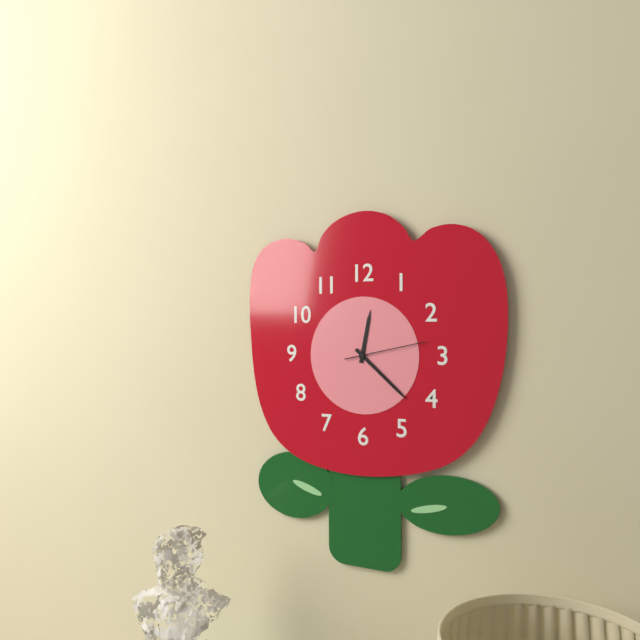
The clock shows 12:22:13
